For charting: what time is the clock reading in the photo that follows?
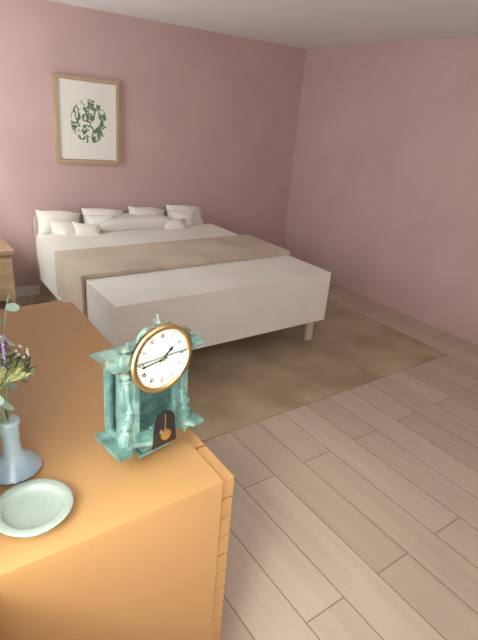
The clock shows 1:44
